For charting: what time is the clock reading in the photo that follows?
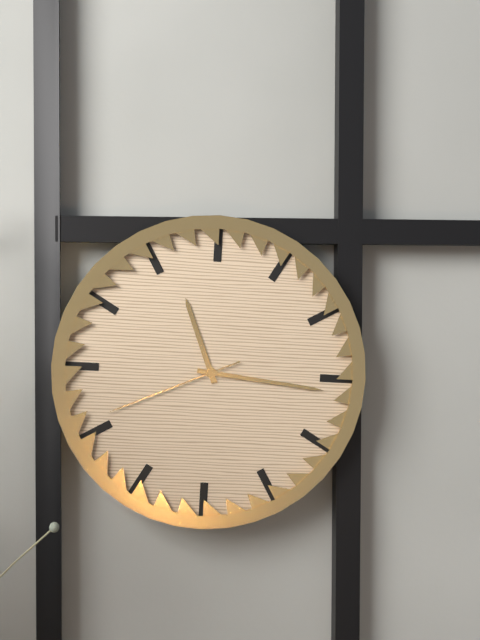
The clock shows 11:16:41
